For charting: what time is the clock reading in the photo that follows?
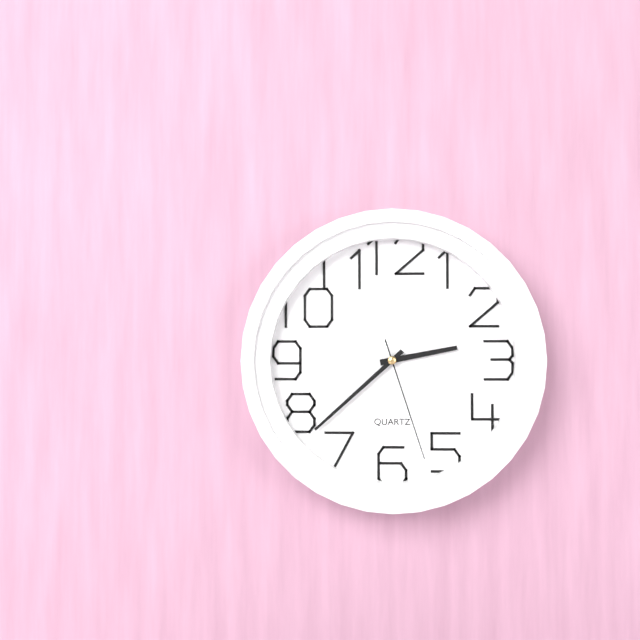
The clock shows 2:38:27
